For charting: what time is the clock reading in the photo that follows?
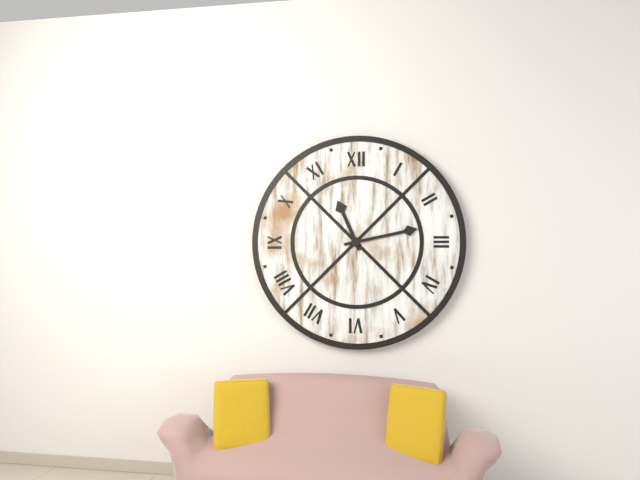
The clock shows 11:13
